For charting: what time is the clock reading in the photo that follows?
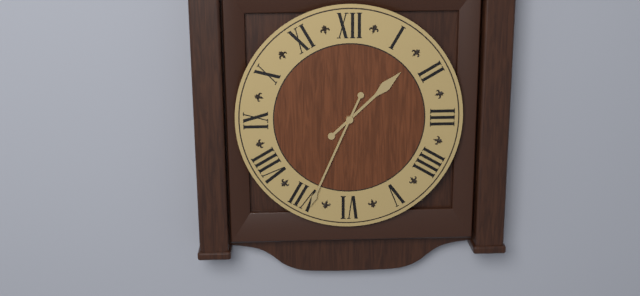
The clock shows 1:34
